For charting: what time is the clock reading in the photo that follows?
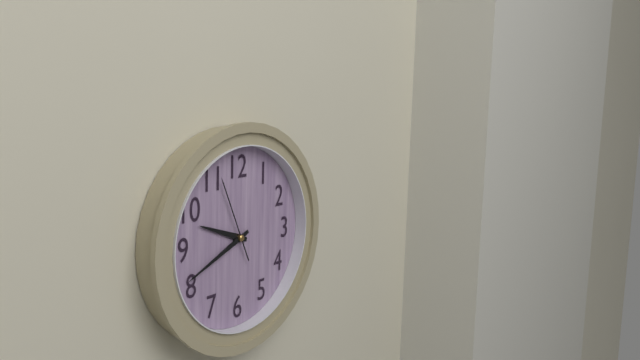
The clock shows 9:41:56
